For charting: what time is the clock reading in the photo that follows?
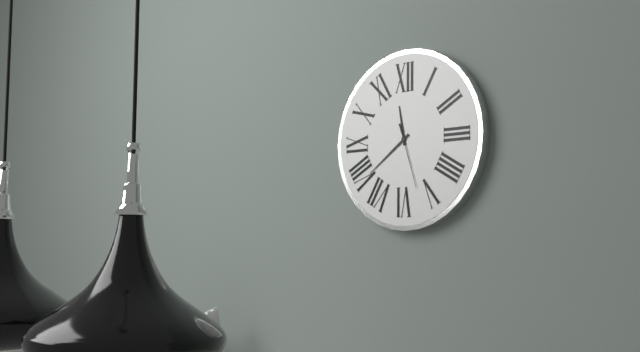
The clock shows 11:39:27
